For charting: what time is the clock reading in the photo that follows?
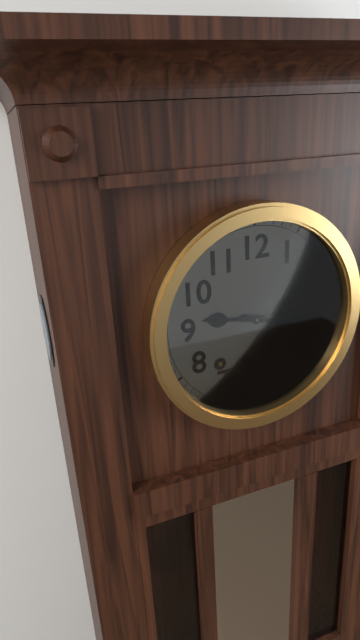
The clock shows 9:18
